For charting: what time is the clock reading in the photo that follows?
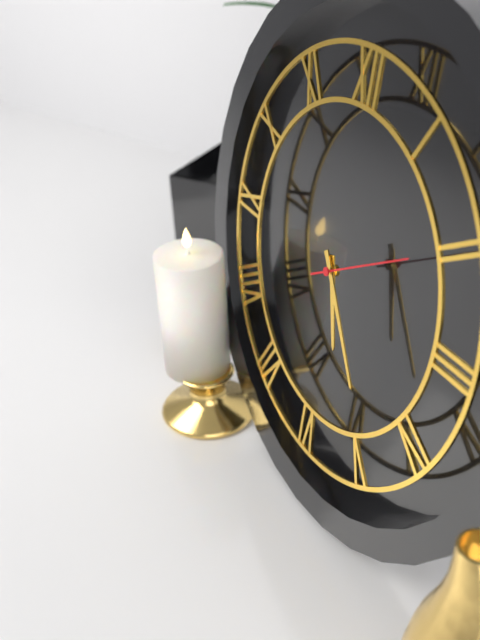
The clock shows 5:24:10
